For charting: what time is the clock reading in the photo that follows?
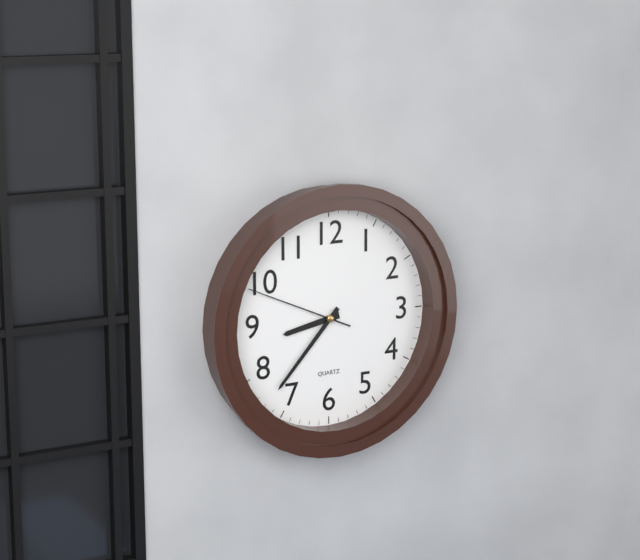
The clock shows 8:37:49
